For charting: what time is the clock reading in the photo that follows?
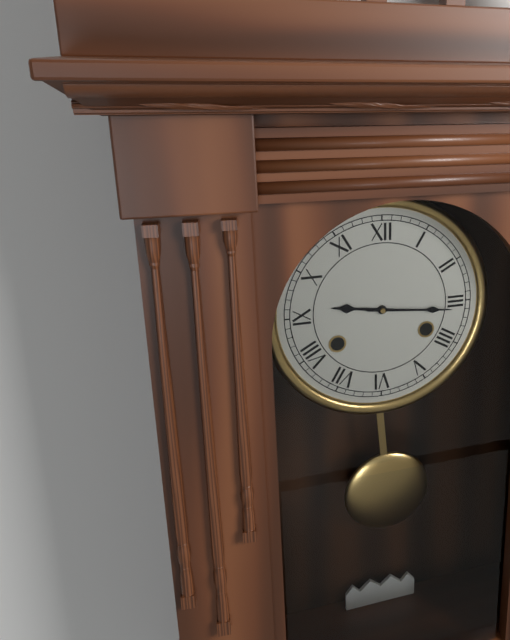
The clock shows 9:16
